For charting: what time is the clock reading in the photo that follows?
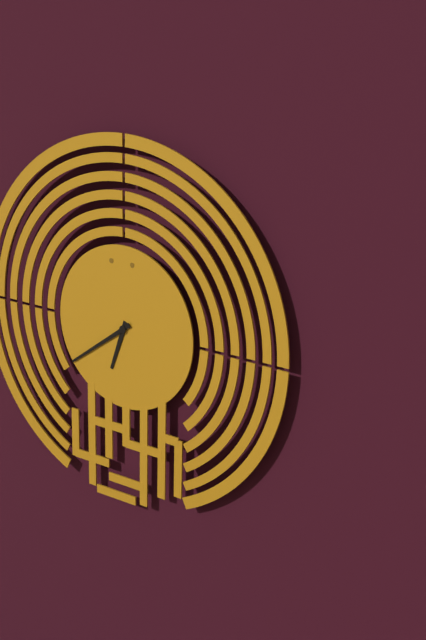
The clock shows 6:39
